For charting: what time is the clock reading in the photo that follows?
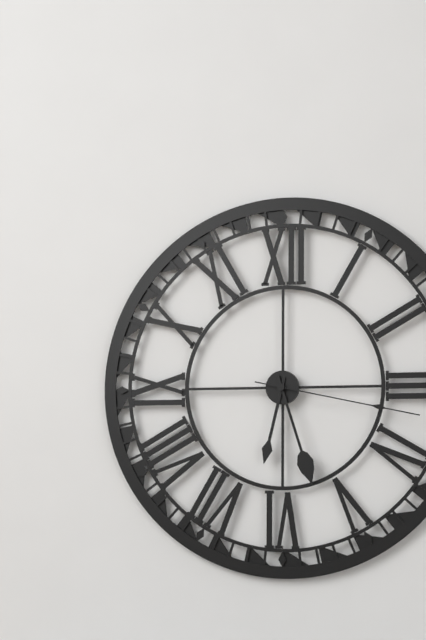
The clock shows 6:27:17
